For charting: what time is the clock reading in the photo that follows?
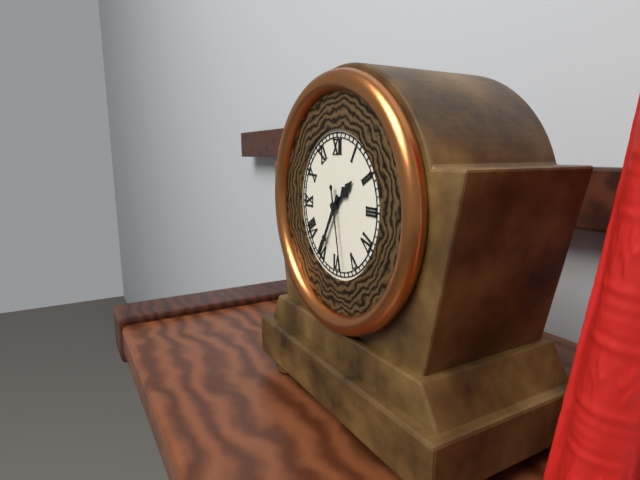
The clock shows 1:35:28
